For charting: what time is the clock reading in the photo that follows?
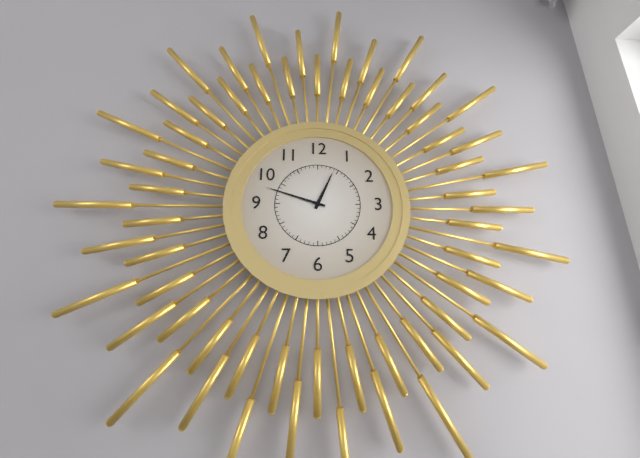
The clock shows 12:48
